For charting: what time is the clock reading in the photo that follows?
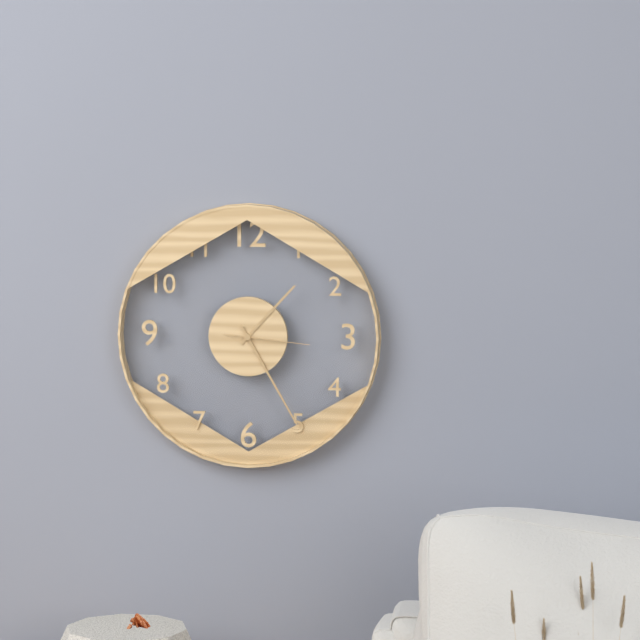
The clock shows 1:25:16
